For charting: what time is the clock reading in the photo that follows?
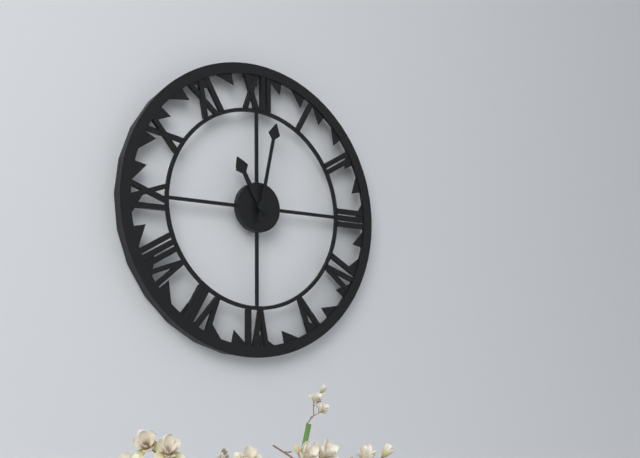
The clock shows 11:02
